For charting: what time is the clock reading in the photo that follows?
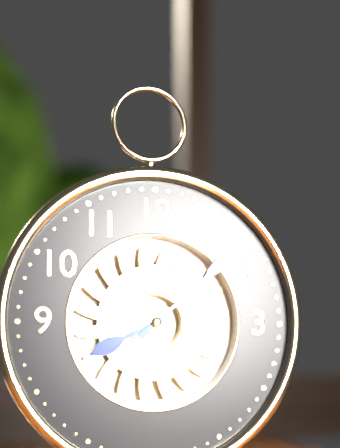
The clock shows 8:08
